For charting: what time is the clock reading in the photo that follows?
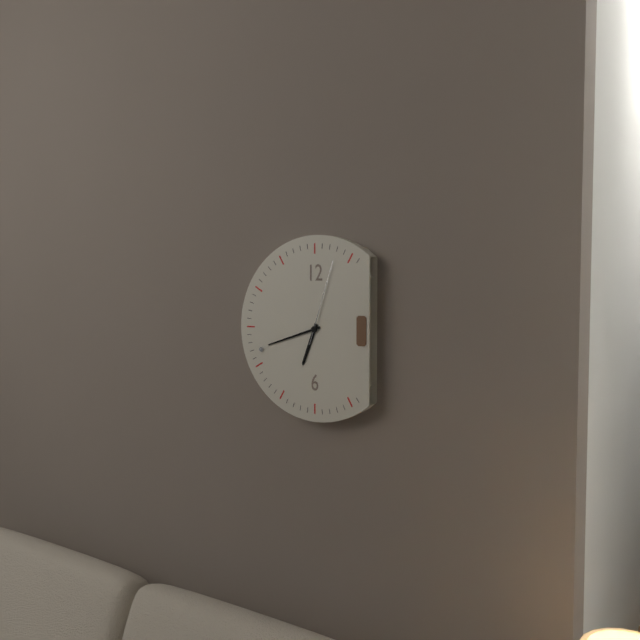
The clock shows 6:42:03
